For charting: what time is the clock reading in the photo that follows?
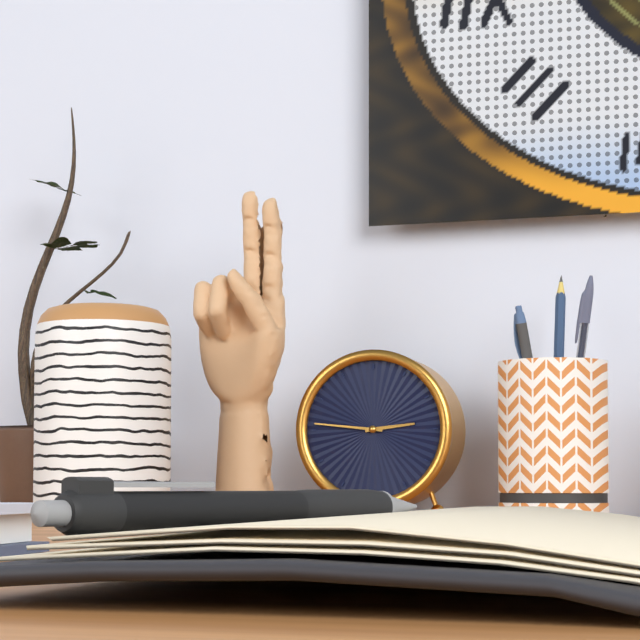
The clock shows 2:46
